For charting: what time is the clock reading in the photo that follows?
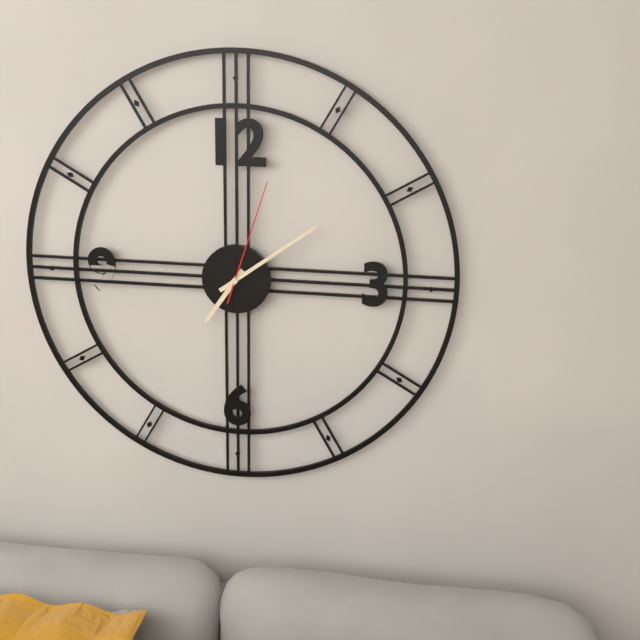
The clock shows 7:09:03
